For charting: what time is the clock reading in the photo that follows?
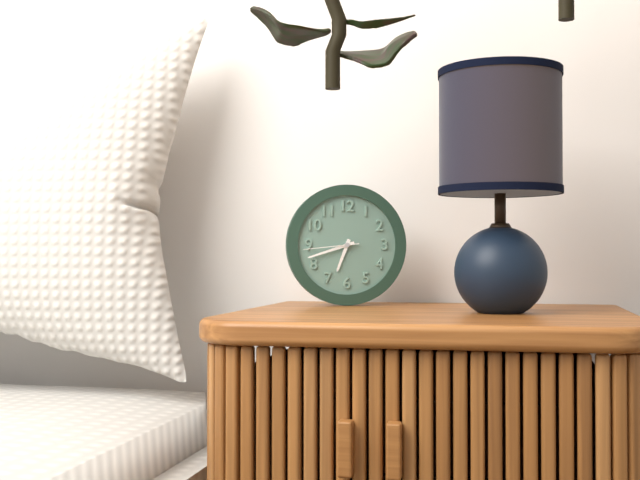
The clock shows 6:42:44
